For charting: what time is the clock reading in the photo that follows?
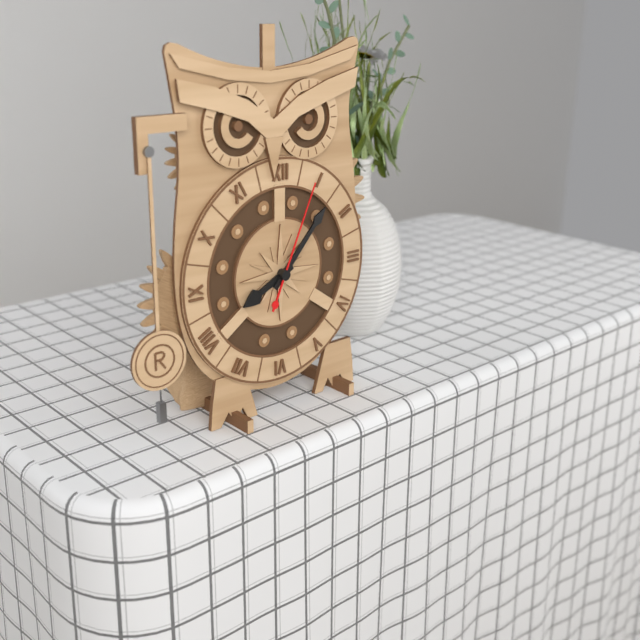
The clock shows 8:07:04
